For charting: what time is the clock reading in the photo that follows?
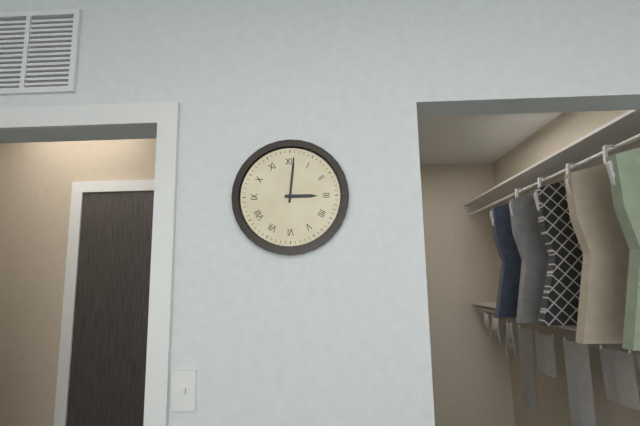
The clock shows 3:01
